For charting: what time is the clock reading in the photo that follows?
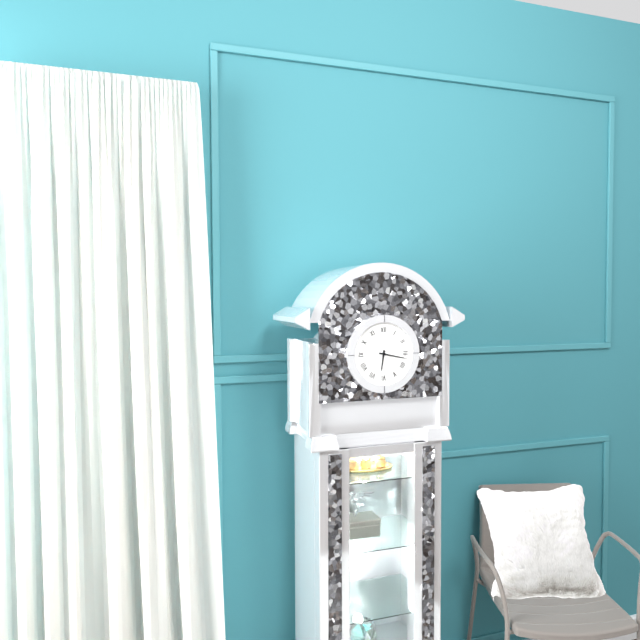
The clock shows 6:17
